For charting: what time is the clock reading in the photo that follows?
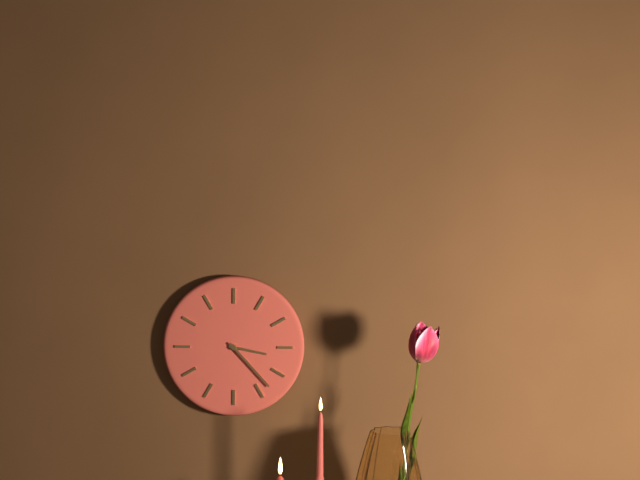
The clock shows 3:23
